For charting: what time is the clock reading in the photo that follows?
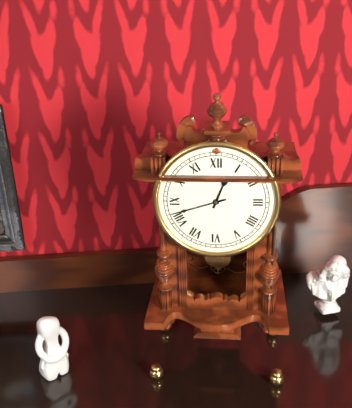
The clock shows 12:42
